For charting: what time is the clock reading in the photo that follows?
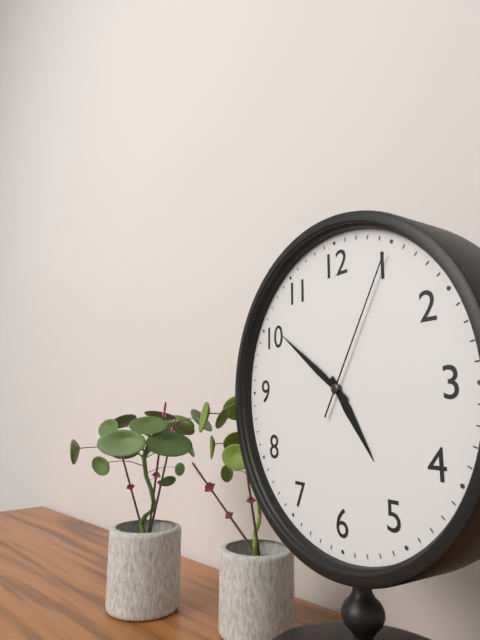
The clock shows 4:51:05
